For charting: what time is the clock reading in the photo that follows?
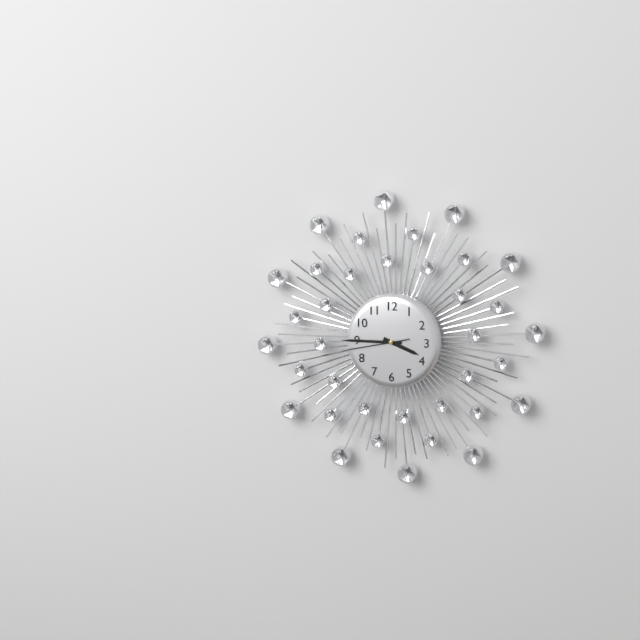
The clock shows 3:45:43
